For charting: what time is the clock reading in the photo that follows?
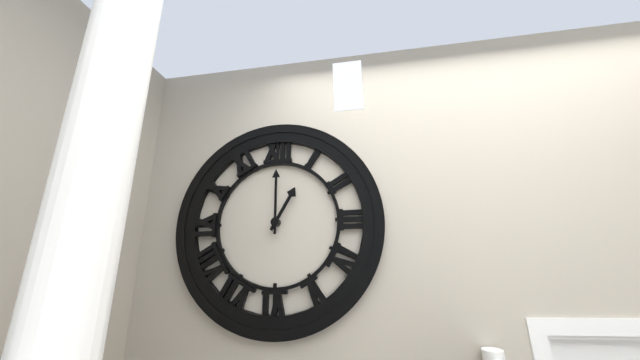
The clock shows 1:00
